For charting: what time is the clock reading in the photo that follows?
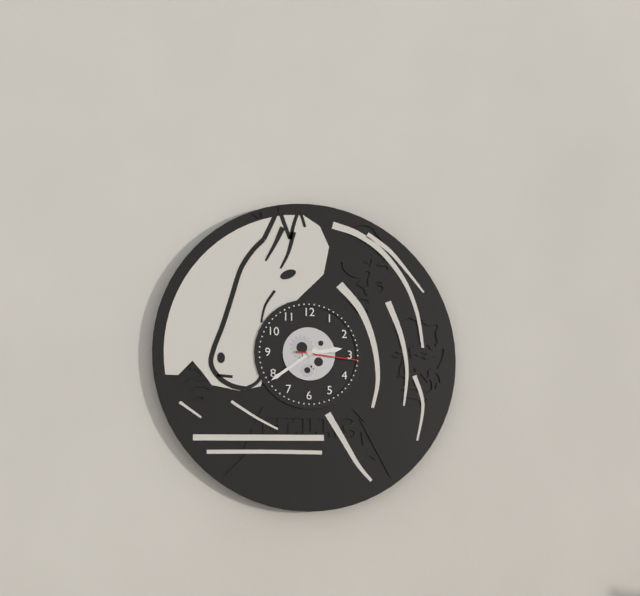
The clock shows 2:39:16
